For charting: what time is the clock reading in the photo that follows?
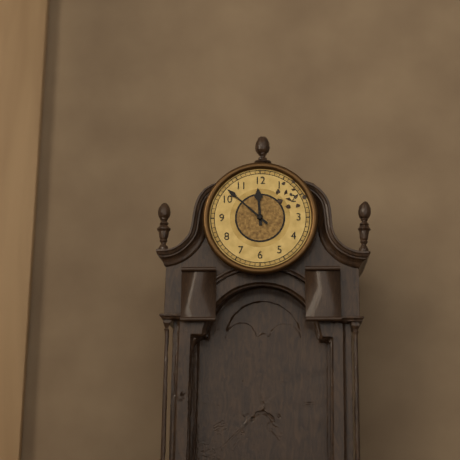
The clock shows 11:52
